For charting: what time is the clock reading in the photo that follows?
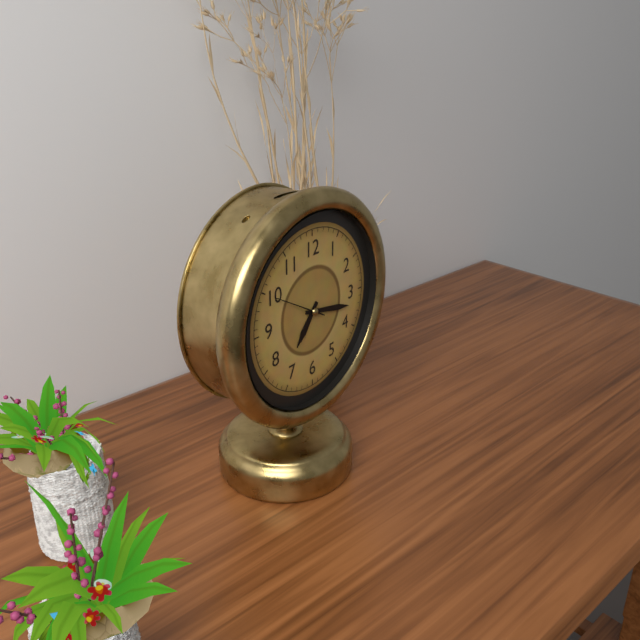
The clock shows 7:17:50
